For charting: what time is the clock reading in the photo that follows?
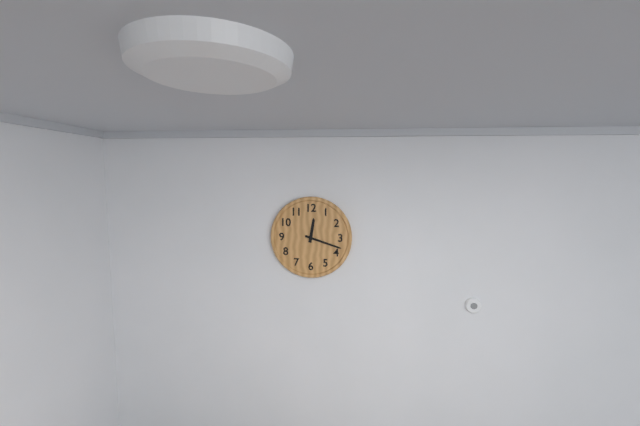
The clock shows 12:18
